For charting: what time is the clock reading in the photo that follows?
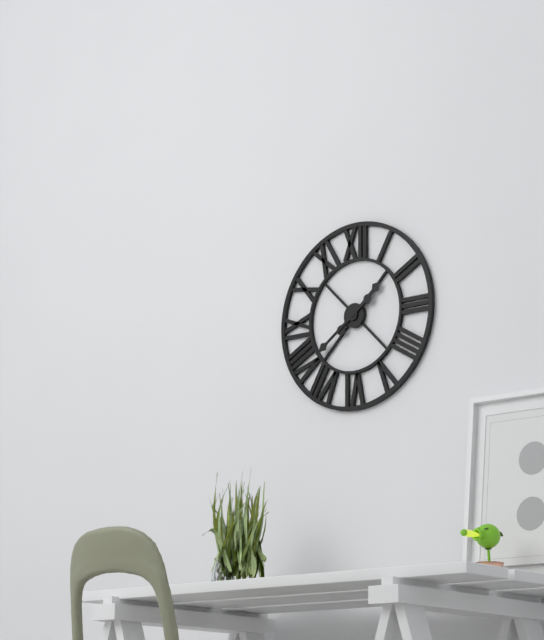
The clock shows 1:39
